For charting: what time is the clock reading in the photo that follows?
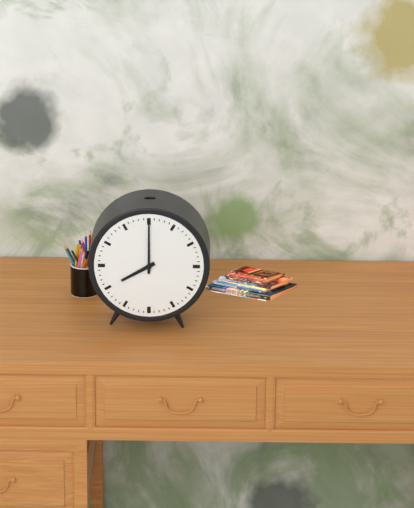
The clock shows 8:00
